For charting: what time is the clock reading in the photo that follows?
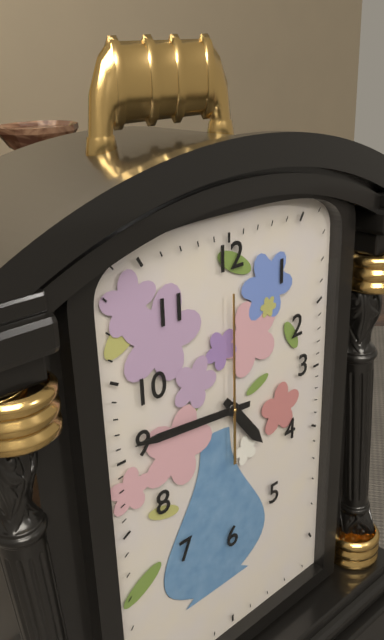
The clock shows 4:46:00
